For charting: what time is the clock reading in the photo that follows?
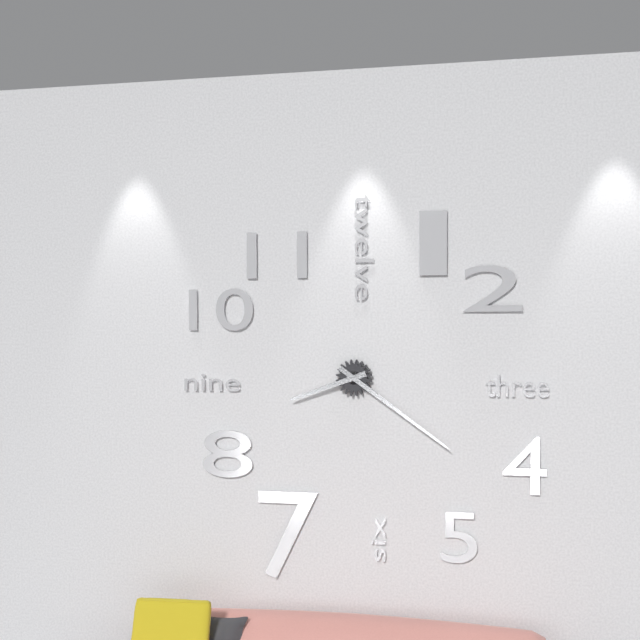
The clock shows 8:21
